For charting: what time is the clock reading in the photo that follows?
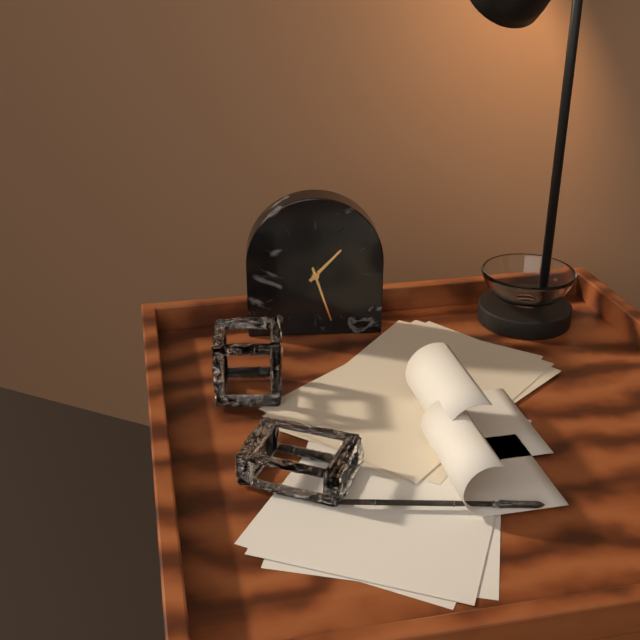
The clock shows 1:27
